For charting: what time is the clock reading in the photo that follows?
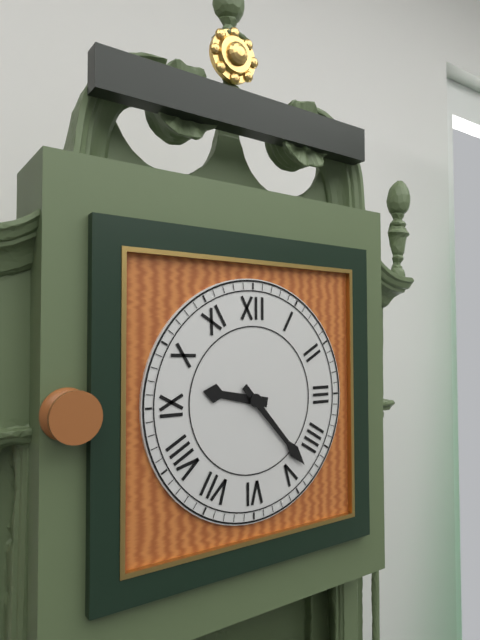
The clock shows 9:23
